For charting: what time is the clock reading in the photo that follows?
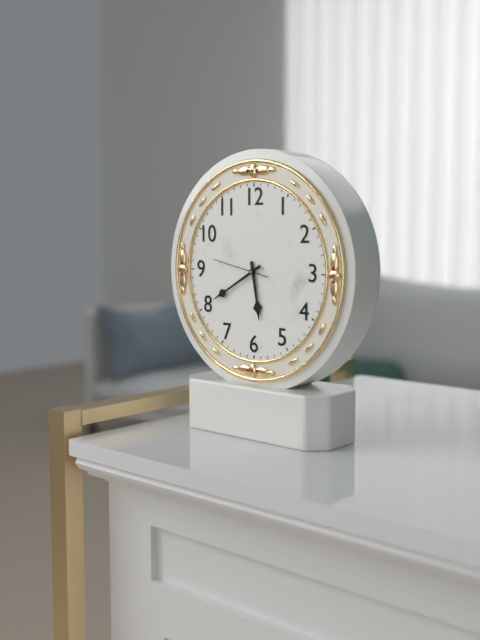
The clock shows 5:40:47
